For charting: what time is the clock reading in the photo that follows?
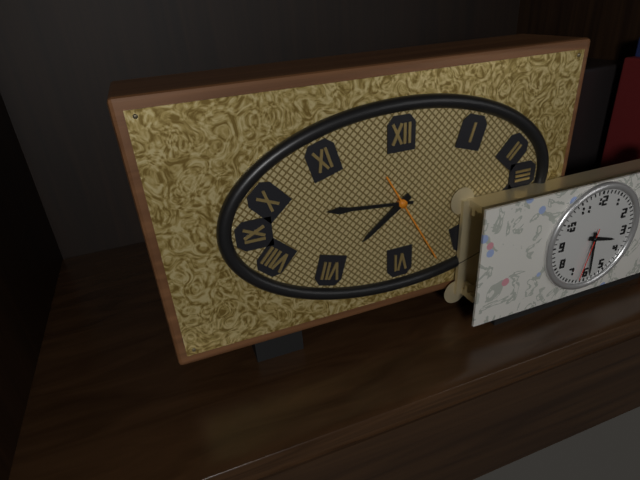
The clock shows 7:46:25
